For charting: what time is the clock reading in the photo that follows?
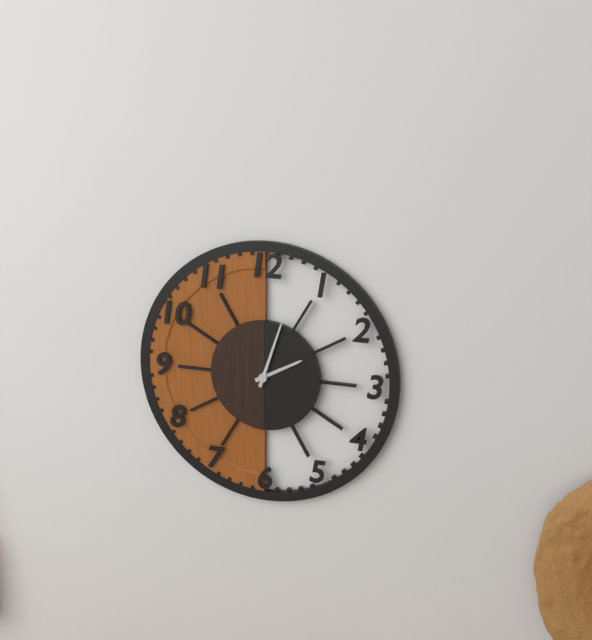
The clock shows 2:03
